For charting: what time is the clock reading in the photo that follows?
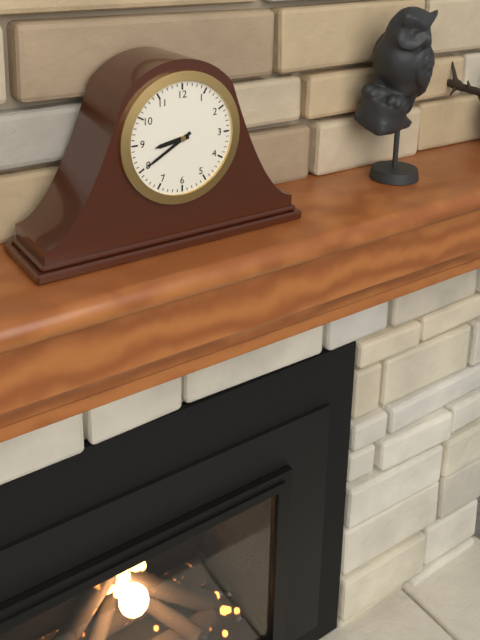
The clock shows 8:40
